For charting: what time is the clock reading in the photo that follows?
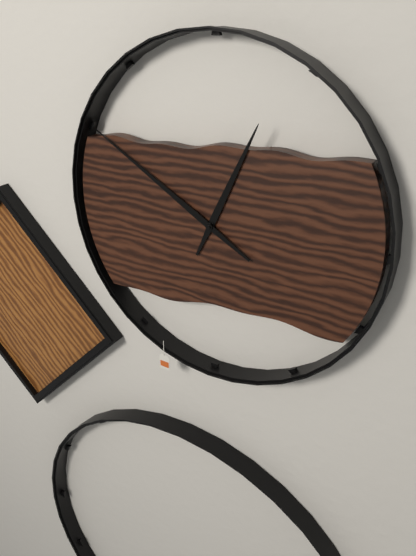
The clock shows 12:50
